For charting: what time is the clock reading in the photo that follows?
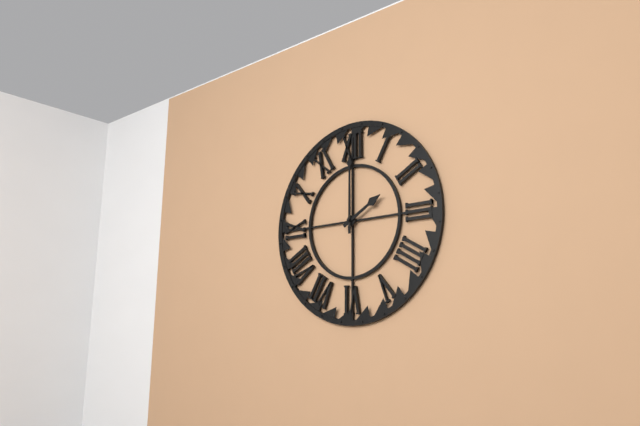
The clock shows 2:00
